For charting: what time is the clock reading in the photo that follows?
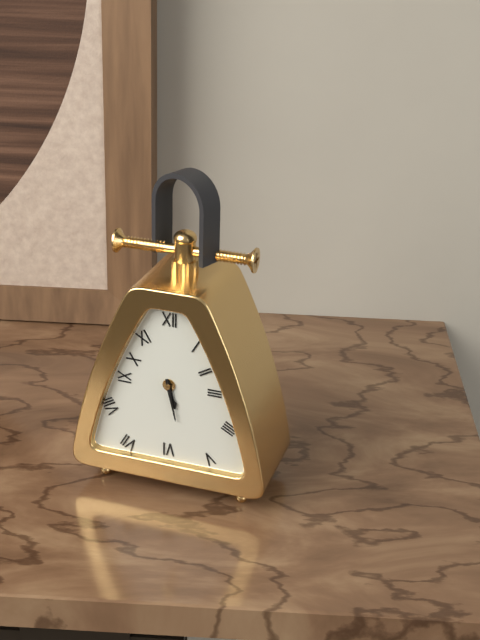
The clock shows 5:28
